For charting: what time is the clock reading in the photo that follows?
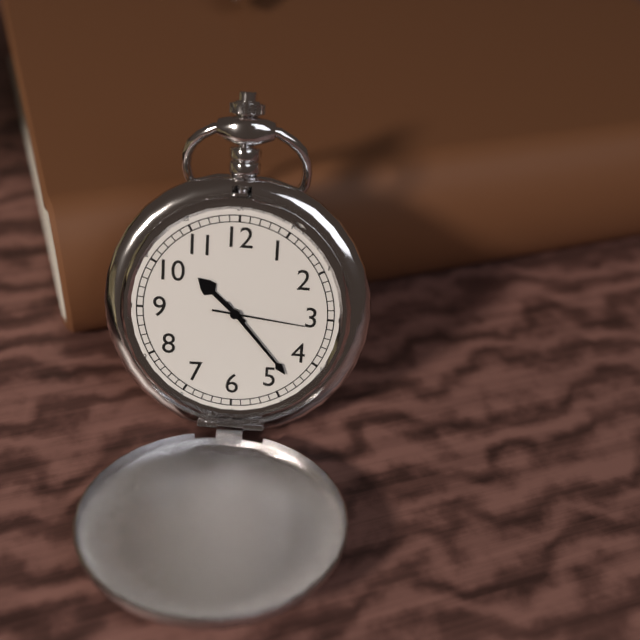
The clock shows 10:23:16
